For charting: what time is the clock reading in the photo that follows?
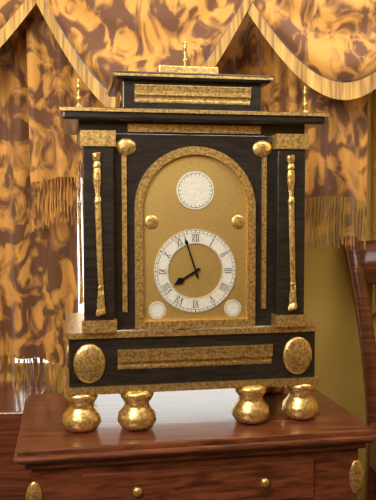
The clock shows 7:57
